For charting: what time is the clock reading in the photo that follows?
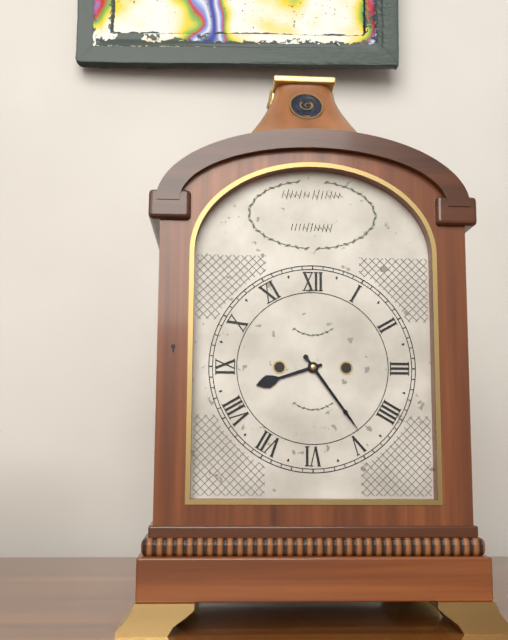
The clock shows 8:24
